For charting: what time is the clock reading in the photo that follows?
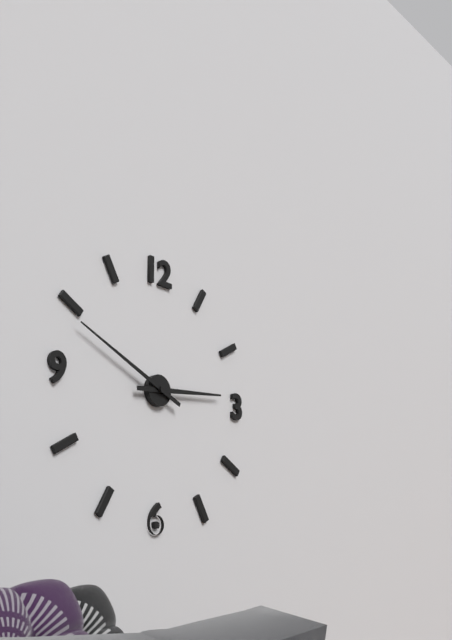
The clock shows 2:49
